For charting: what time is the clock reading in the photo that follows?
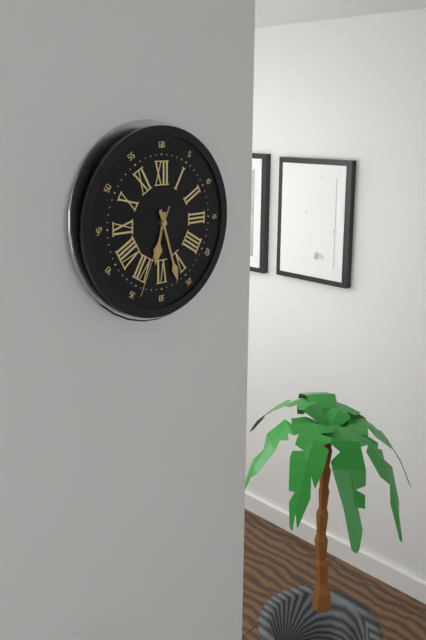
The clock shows 6:27:34
